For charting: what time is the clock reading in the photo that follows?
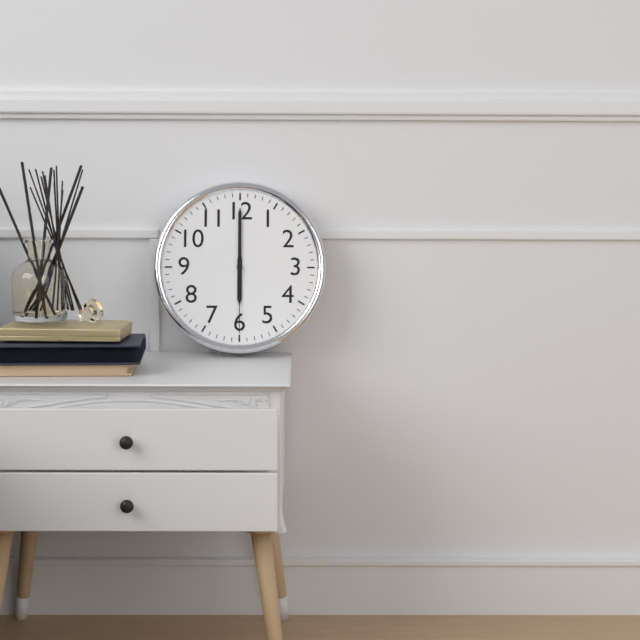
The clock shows 6:00:30
